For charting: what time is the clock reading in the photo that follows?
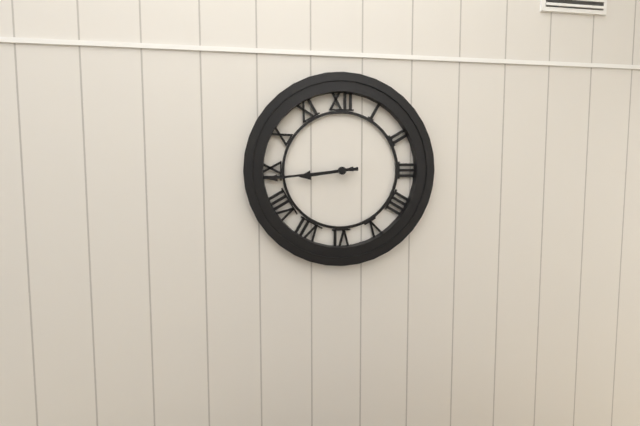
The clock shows 8:44
